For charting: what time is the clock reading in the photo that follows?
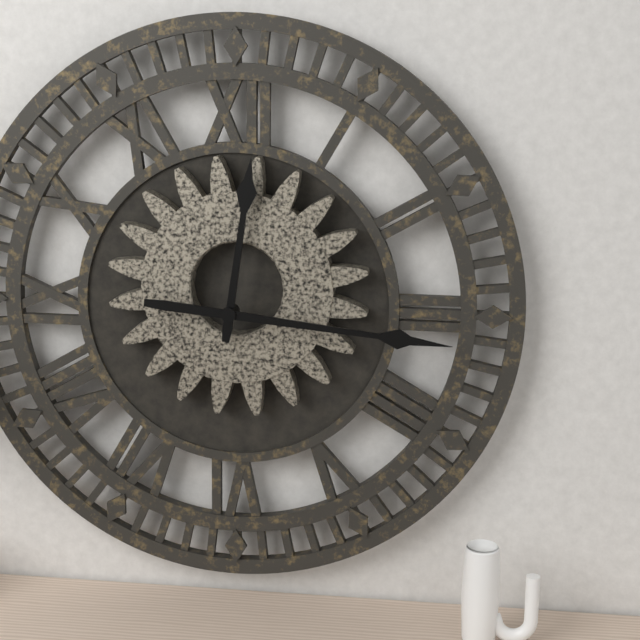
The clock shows 12:16
